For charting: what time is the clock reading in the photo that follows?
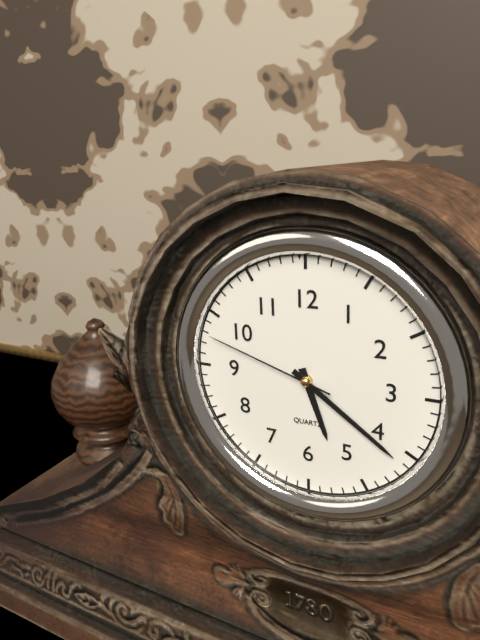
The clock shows 5:21:48
